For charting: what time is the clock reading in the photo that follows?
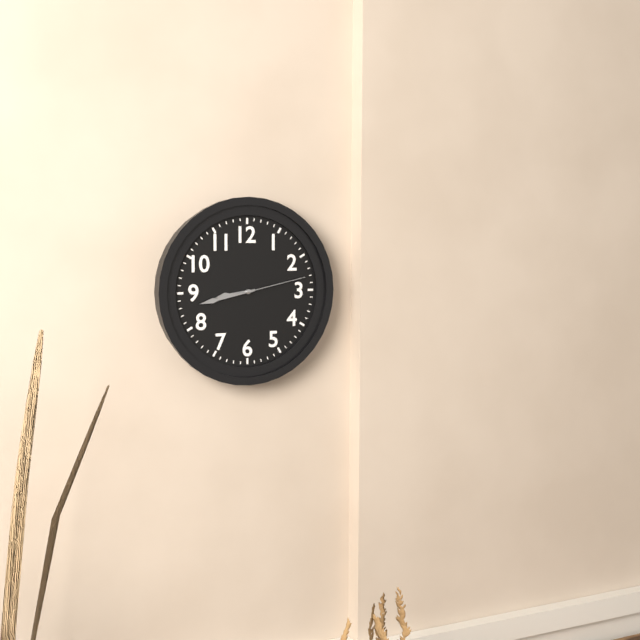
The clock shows 8:43:13
